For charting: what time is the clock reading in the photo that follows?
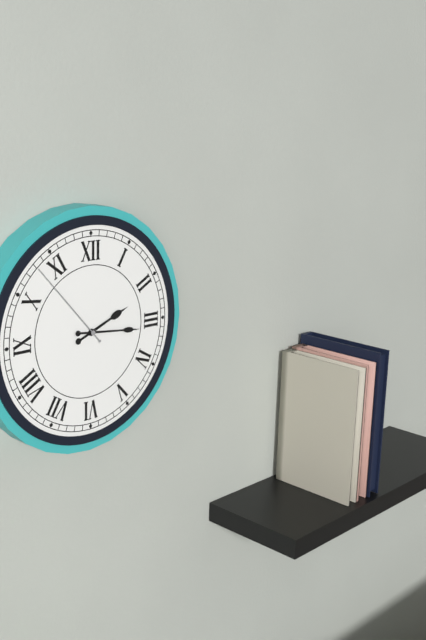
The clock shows 2:16:53
